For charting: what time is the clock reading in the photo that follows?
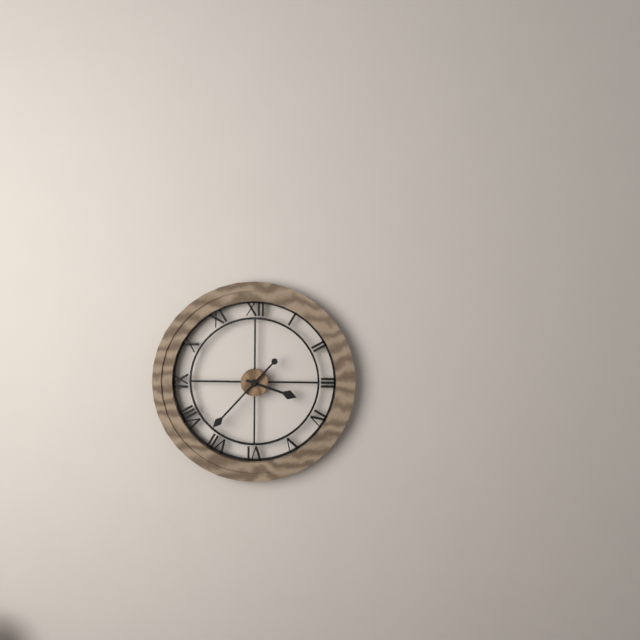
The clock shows 3:37
